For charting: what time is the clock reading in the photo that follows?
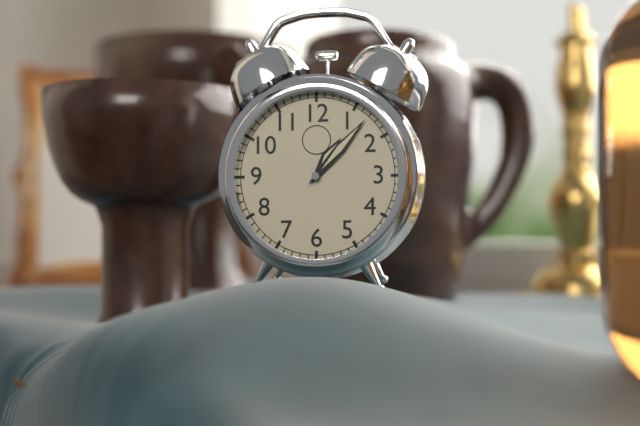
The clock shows 1:07
